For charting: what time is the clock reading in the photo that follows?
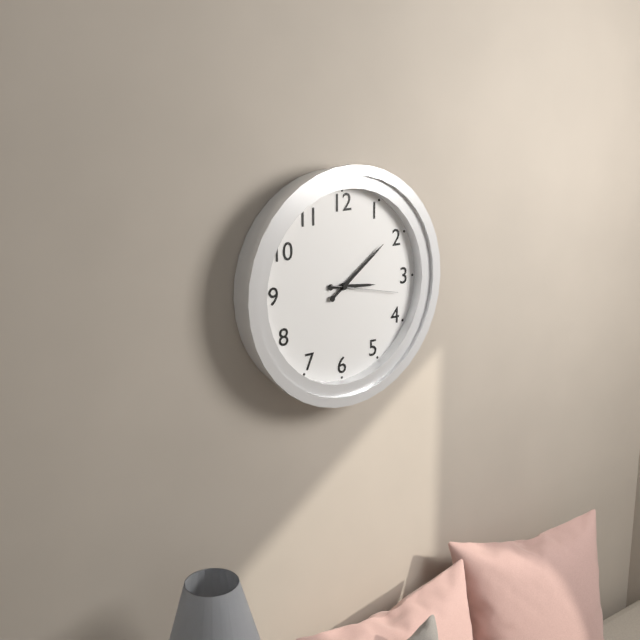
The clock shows 3:09:17
